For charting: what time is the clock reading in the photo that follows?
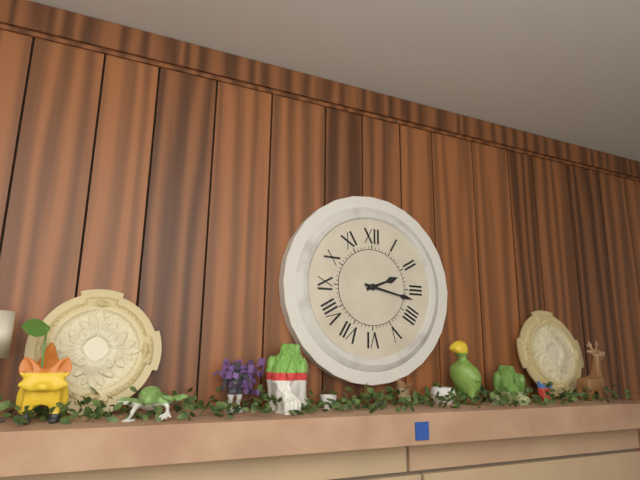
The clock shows 2:17
